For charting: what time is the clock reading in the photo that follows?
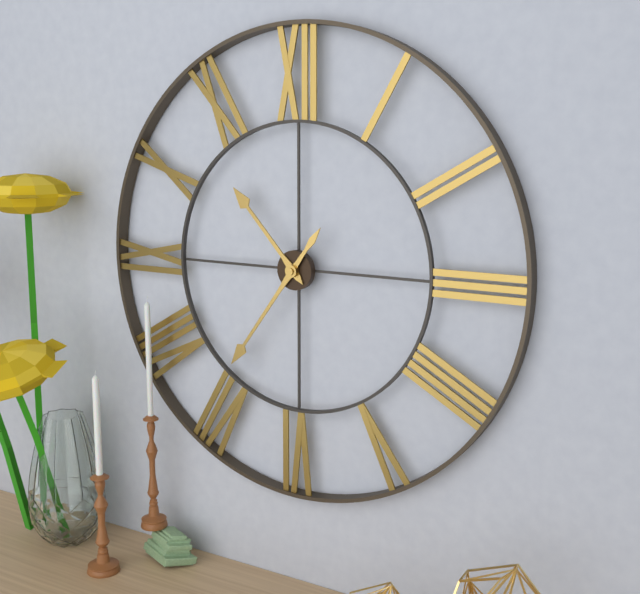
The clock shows 10:36
